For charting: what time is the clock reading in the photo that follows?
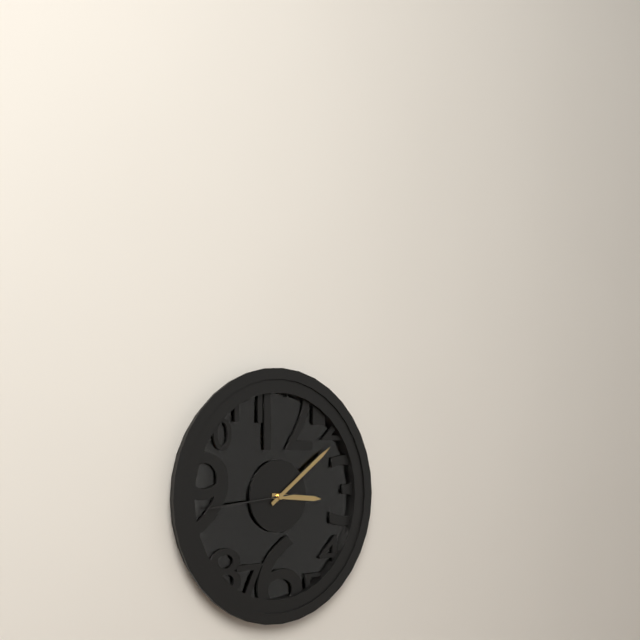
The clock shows 3:09:44
